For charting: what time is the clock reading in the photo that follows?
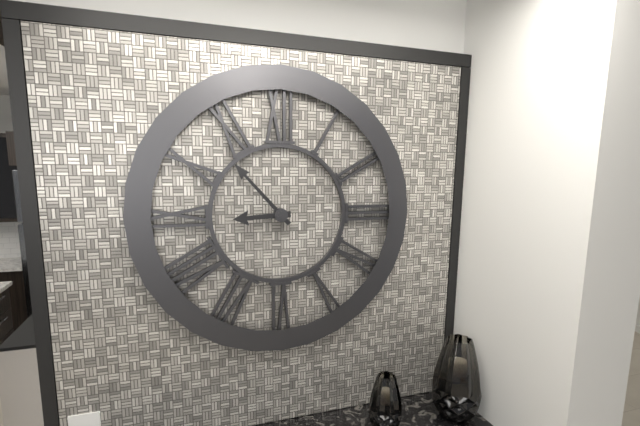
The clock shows 8:53
